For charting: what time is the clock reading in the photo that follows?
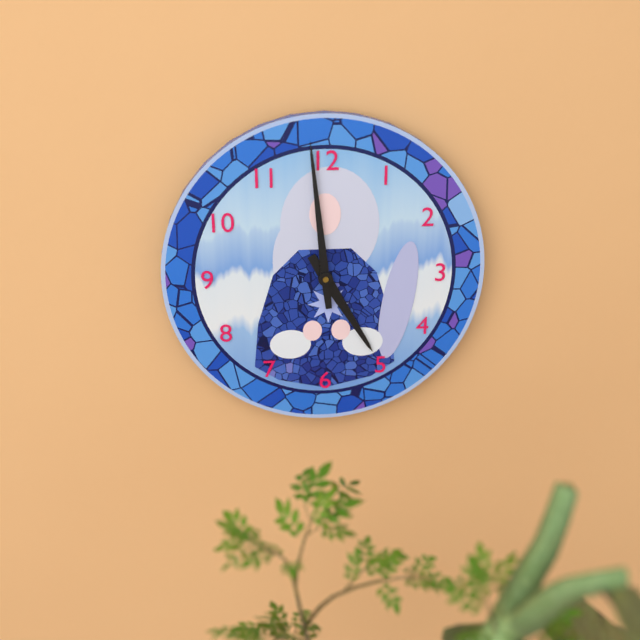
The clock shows 4:59
